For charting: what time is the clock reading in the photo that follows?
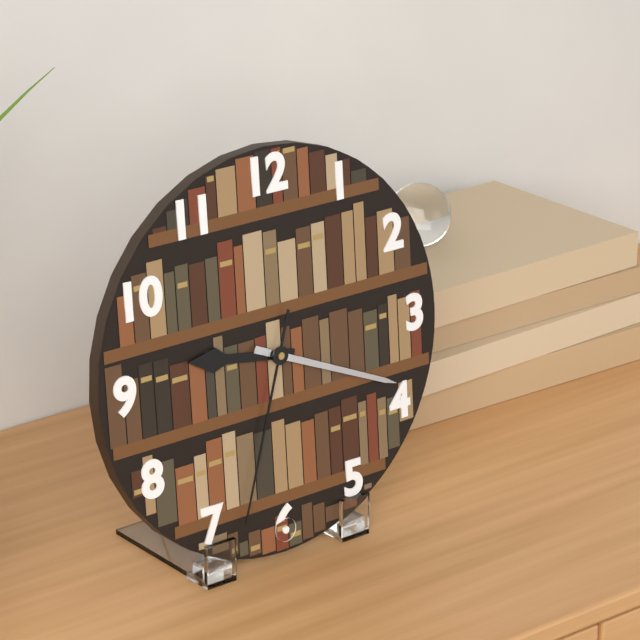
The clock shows 9:19:33
